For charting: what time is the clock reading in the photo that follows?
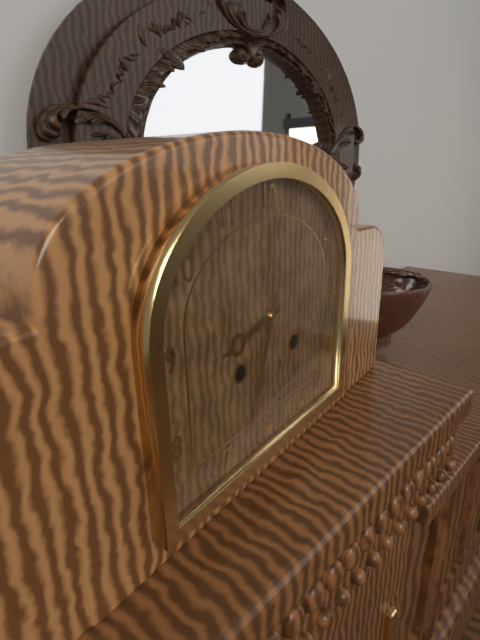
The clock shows 8:33
